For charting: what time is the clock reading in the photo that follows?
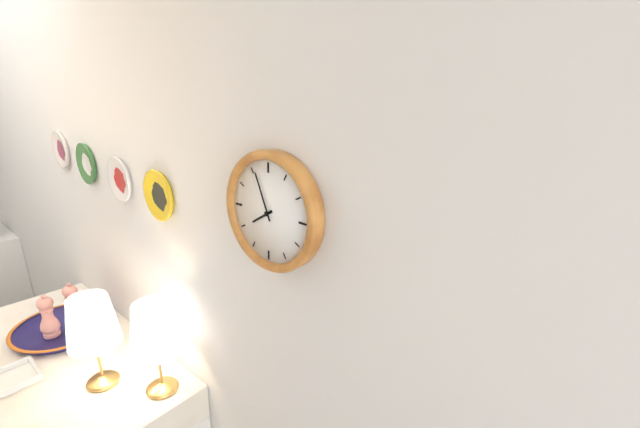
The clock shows 7:56
